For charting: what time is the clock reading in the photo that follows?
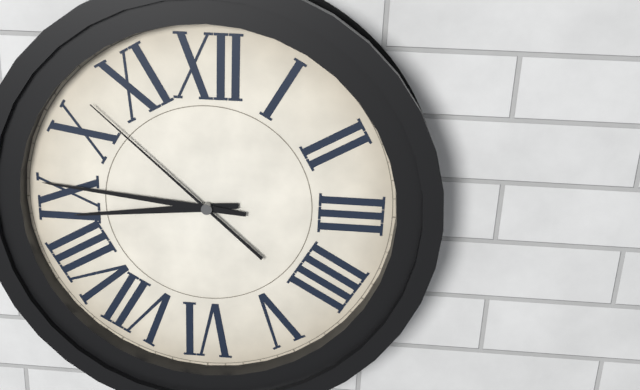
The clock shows 8:46:52
